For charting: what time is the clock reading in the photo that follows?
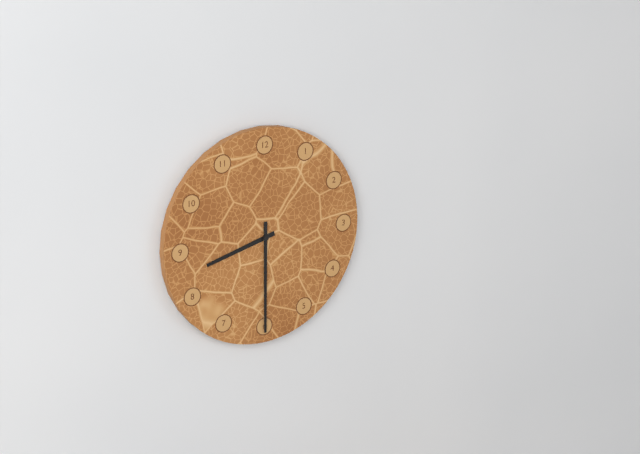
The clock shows 8:30
